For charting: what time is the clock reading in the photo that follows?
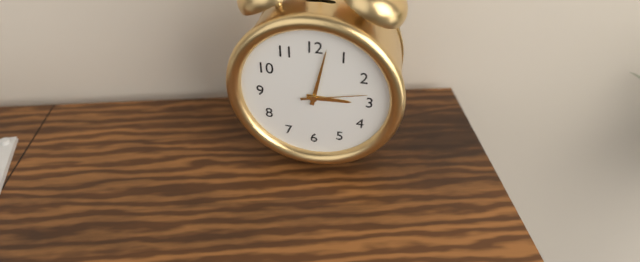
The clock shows 3:02:13
